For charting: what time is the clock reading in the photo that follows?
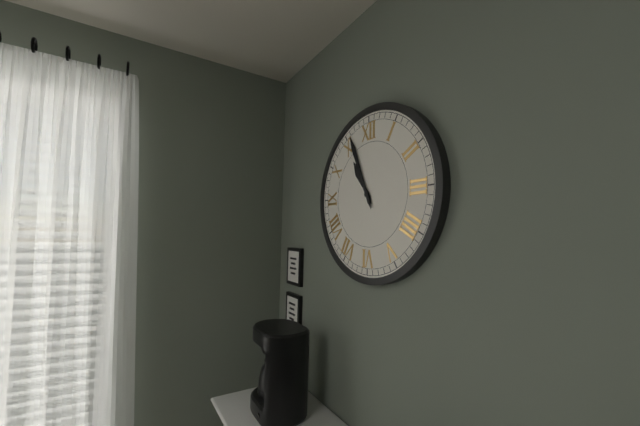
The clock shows 10:56
